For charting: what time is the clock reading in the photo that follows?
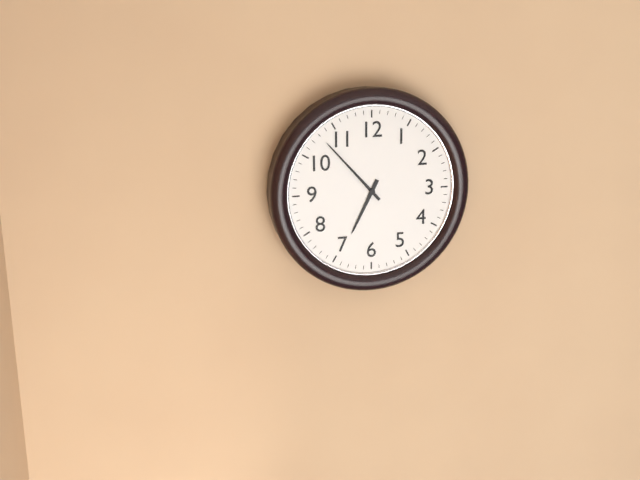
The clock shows 6:53
